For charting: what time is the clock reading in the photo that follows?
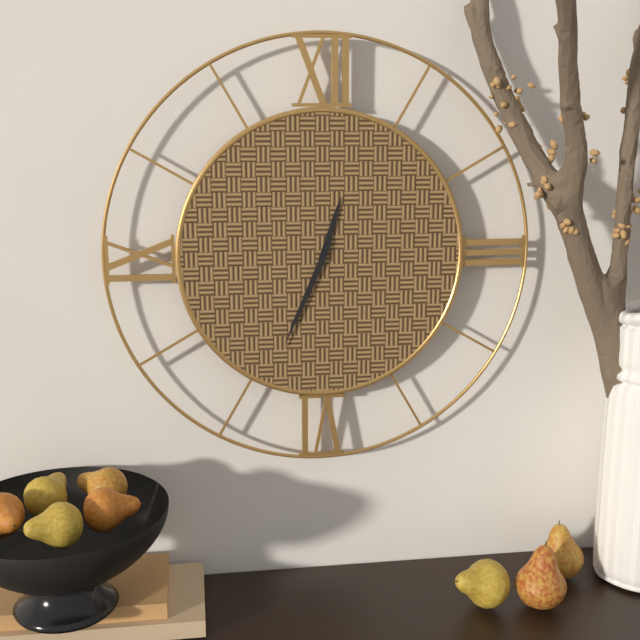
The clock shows 12:34
